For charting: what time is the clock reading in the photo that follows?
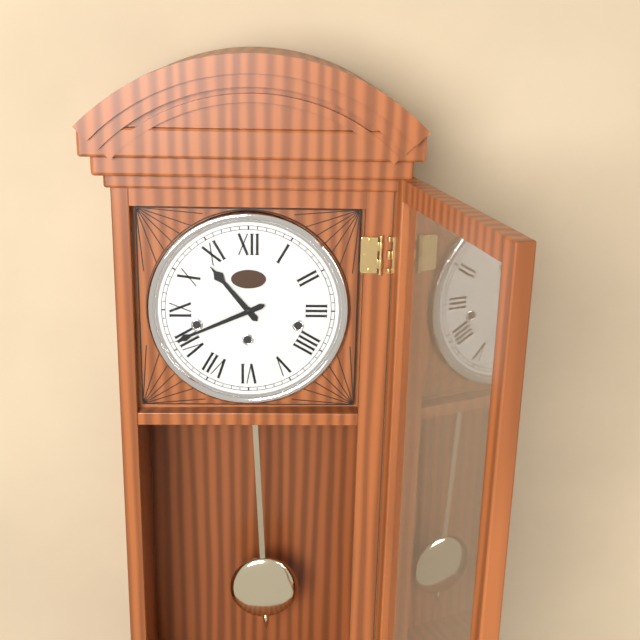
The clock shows 10:41
